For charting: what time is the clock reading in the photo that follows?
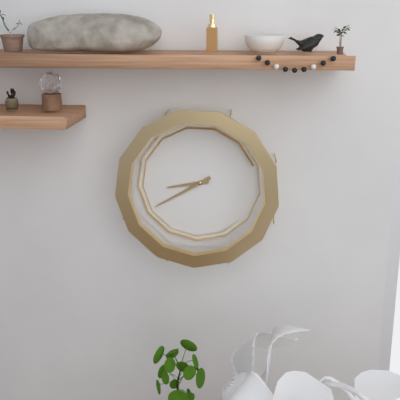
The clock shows 8:40
